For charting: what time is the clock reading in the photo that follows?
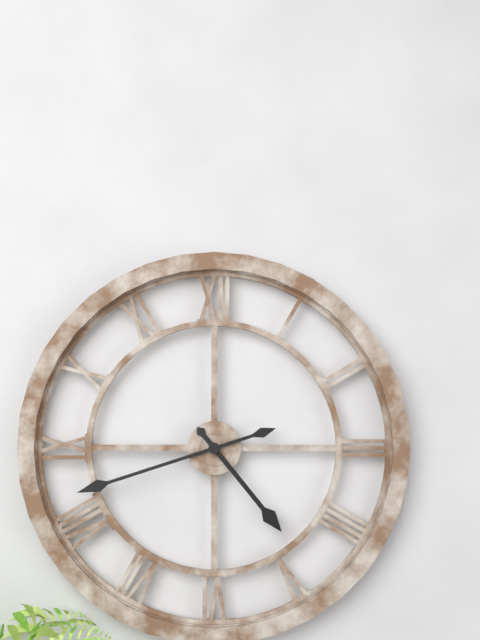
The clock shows 4:42
